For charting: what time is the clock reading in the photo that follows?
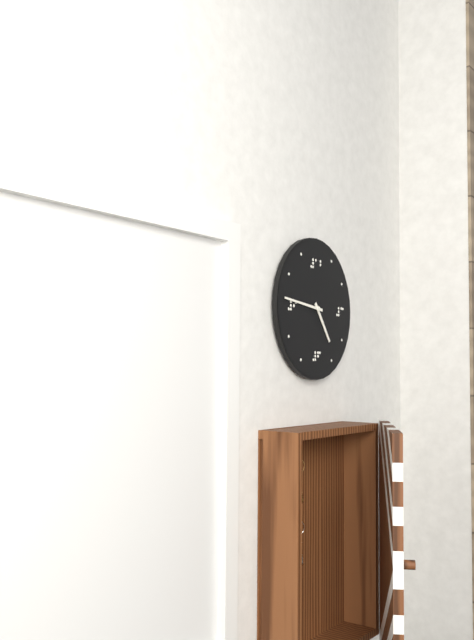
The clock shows 4:46
